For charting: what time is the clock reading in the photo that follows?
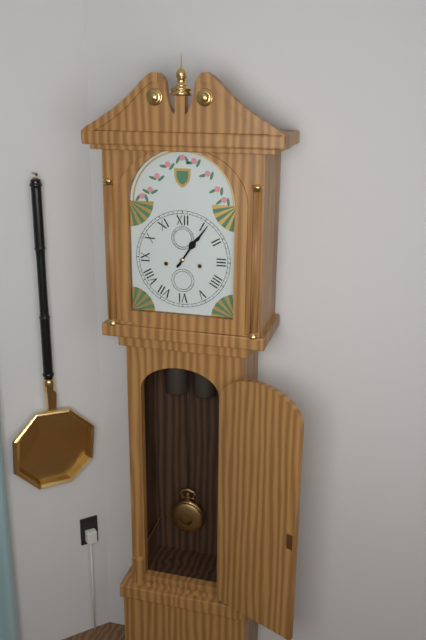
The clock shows 1:06
